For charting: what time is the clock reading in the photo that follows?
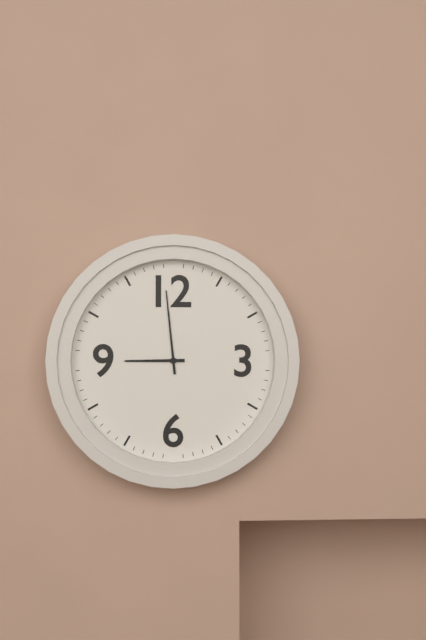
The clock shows 8:59
